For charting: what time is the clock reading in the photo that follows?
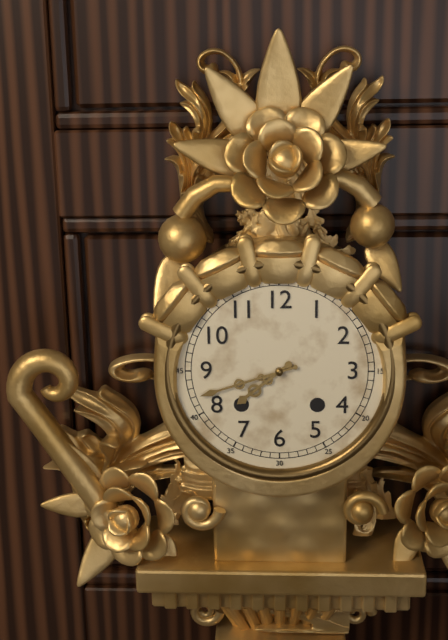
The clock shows 7:42
